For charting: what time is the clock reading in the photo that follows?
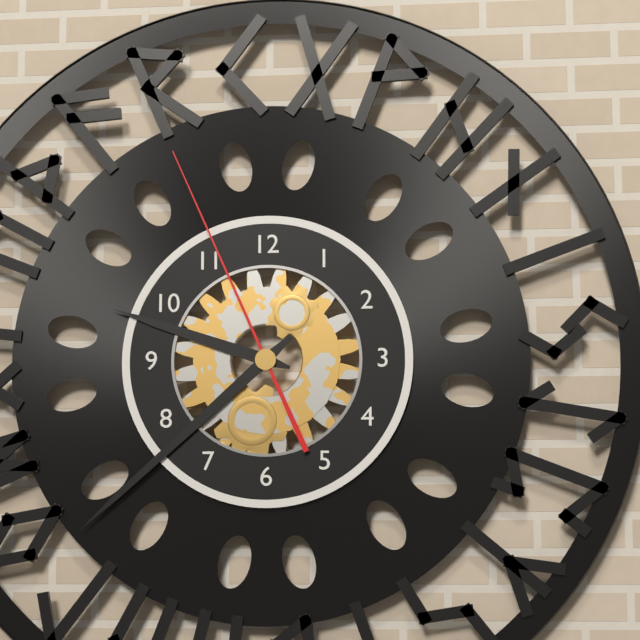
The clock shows 9:38:56
